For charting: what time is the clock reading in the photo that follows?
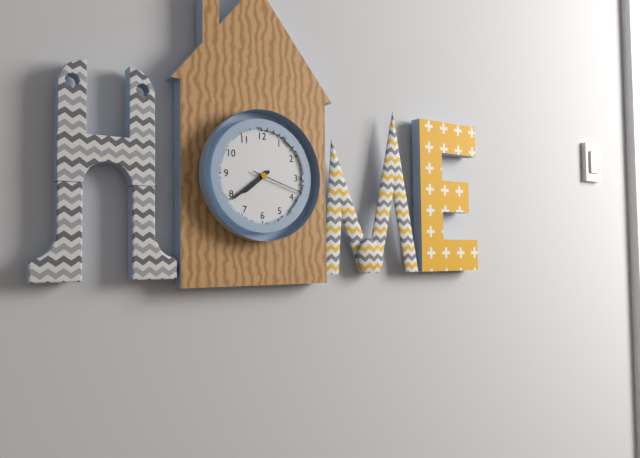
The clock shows 7:39:18
